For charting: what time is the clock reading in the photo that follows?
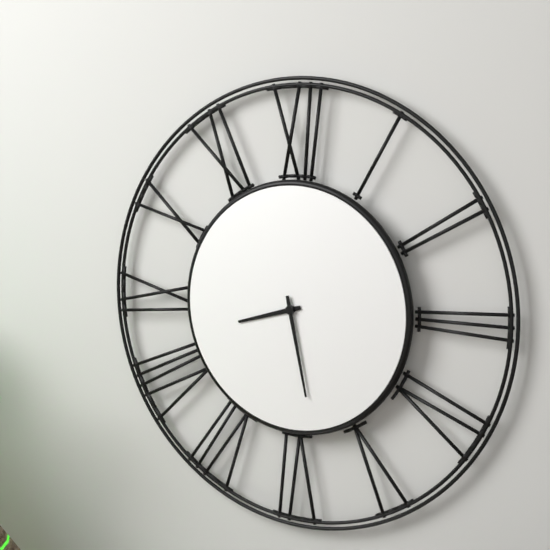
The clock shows 8:28
